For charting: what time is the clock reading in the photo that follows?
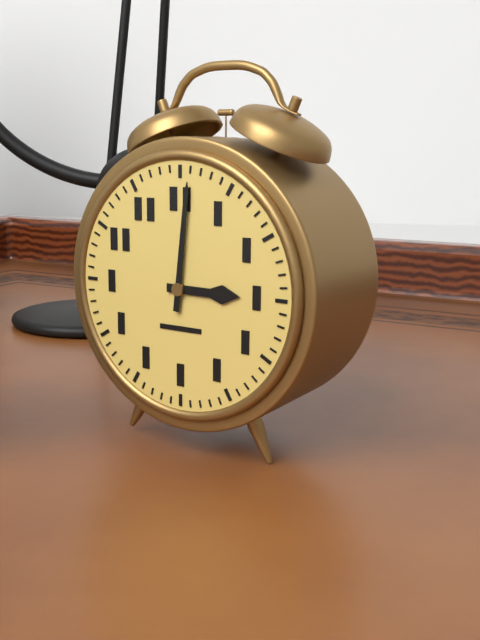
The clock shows 3:01
